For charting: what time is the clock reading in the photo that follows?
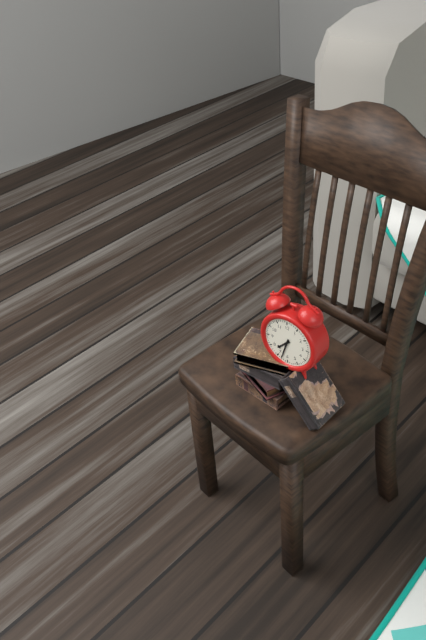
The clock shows 7:33
